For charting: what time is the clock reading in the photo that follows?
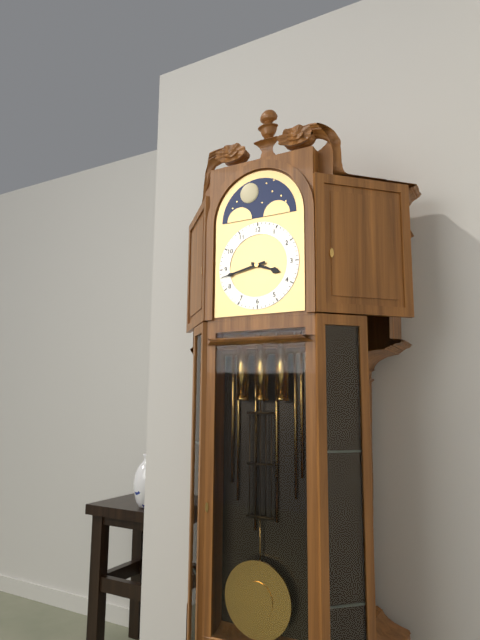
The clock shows 3:43
